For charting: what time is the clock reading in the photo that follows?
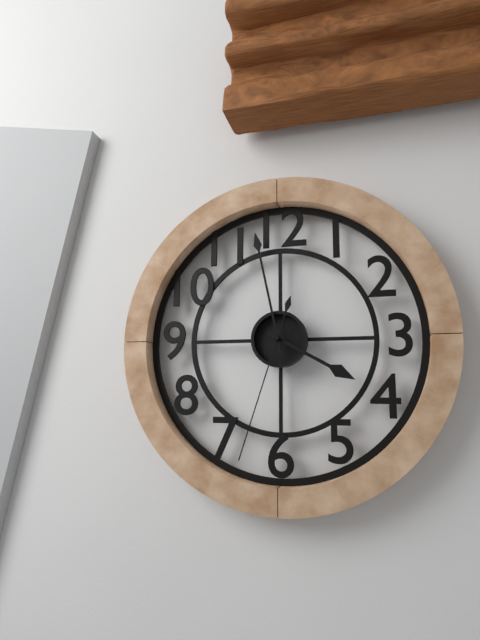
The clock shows 3:58:33
